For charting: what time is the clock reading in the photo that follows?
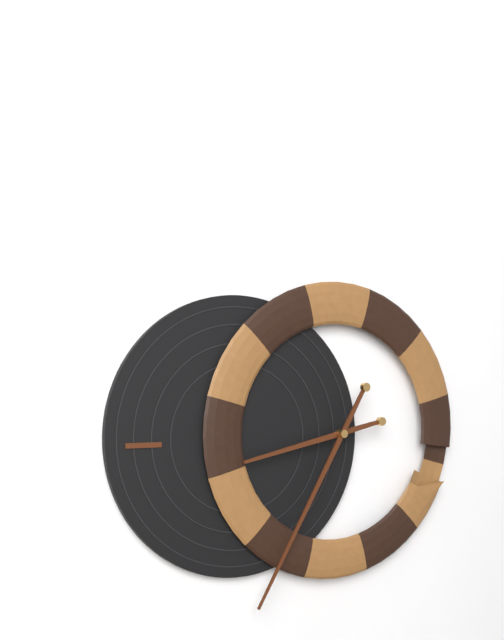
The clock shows 8:35
